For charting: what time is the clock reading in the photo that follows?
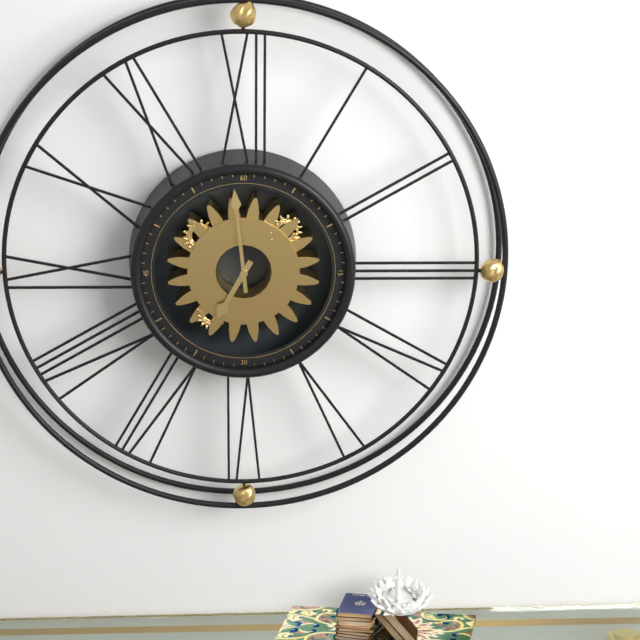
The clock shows 6:59
